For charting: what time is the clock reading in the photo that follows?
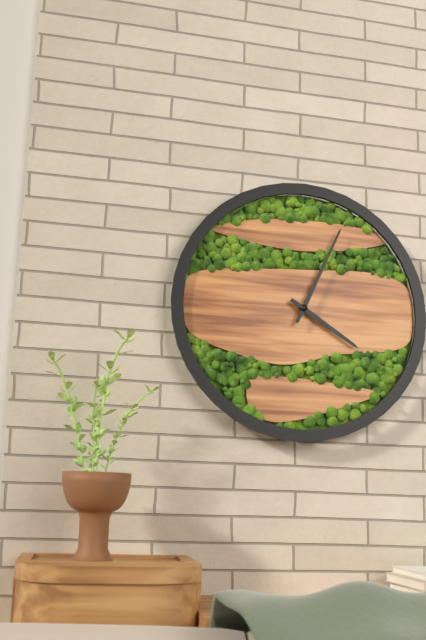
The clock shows 4:04
